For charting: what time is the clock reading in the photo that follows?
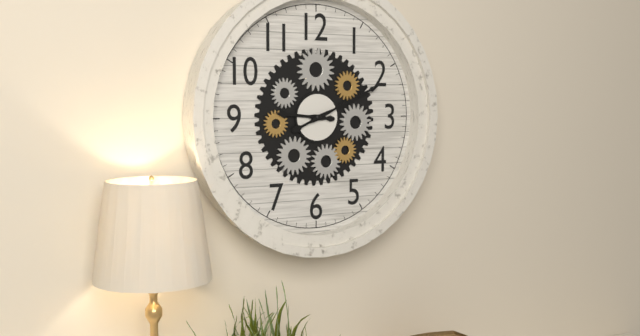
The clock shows 9:11
